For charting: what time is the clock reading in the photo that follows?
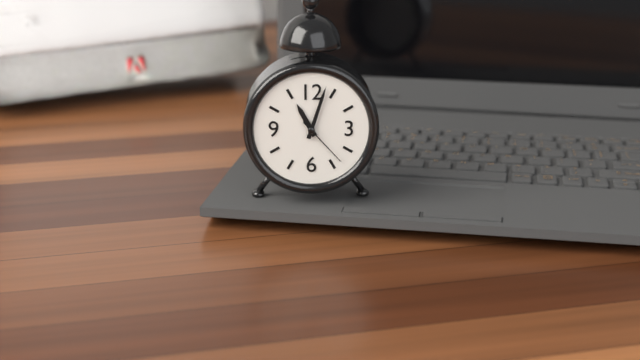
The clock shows 11:03:23
